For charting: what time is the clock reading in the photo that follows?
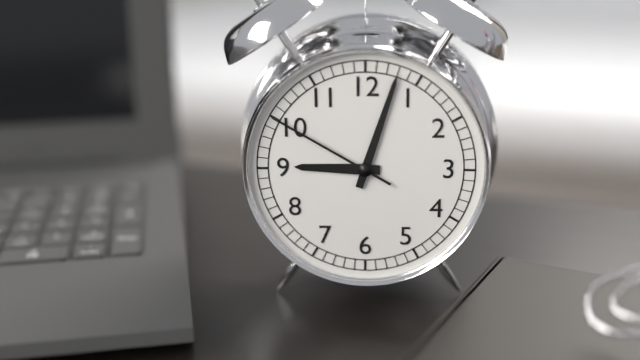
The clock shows 9:03:50
